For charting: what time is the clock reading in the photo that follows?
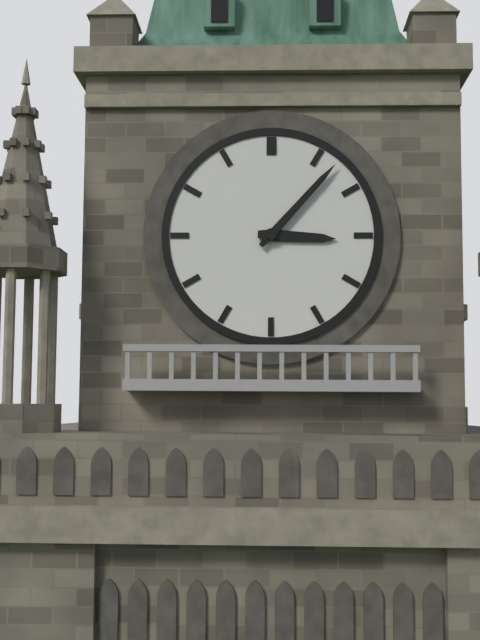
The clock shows 3:07
